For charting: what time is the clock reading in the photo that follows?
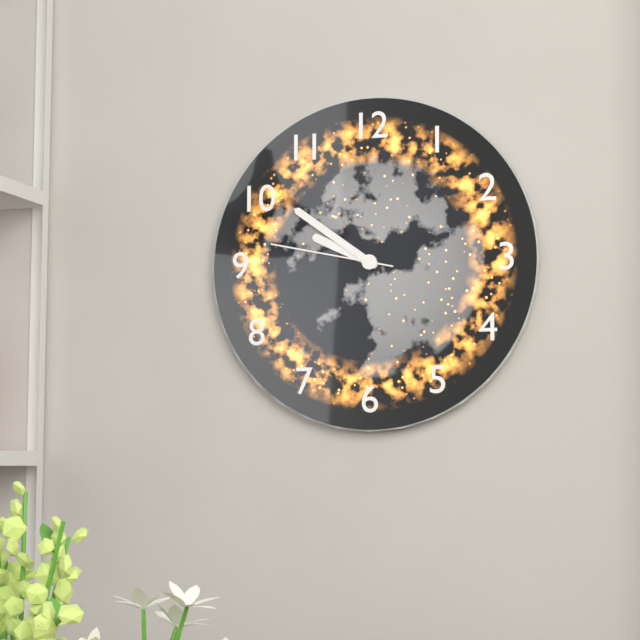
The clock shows 9:51:47
